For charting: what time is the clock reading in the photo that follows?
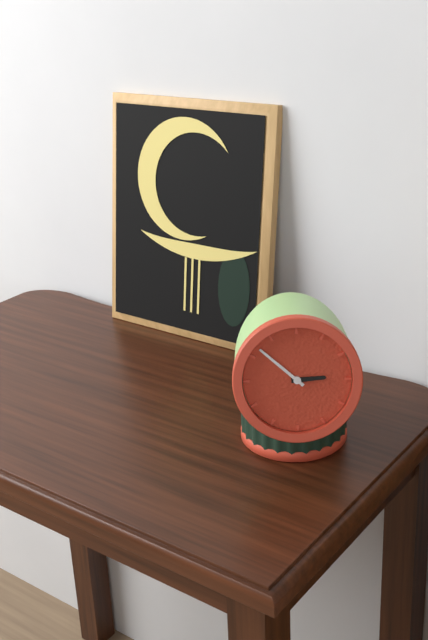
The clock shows 2:52
